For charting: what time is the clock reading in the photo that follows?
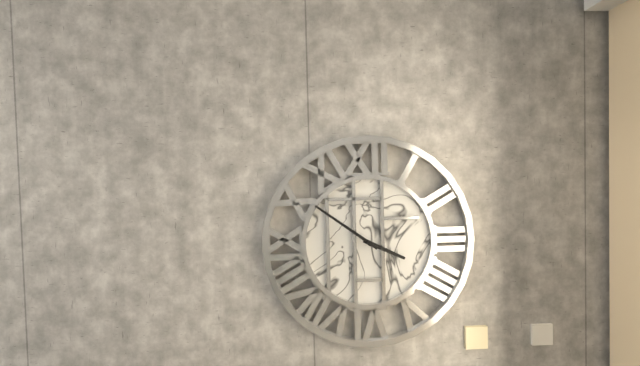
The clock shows 3:51
